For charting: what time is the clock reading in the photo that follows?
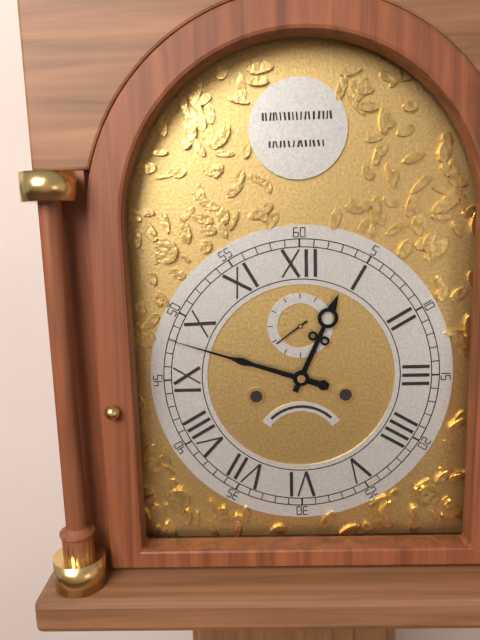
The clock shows 12:48
